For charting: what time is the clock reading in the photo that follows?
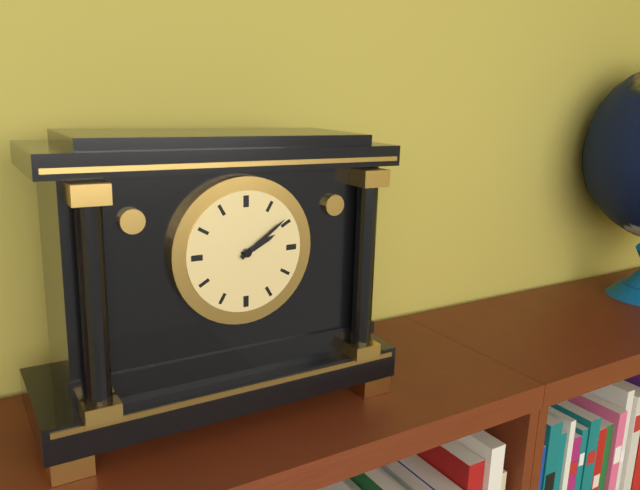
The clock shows 2:09
